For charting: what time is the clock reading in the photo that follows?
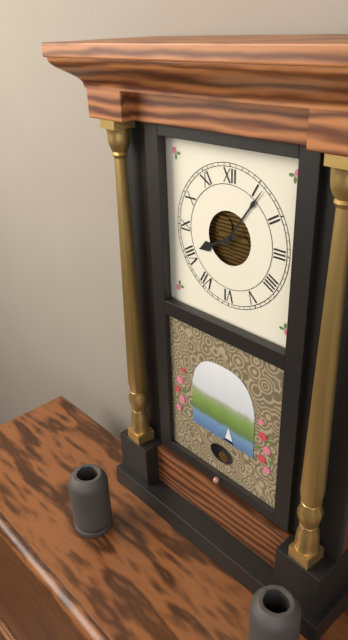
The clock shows 8:06
